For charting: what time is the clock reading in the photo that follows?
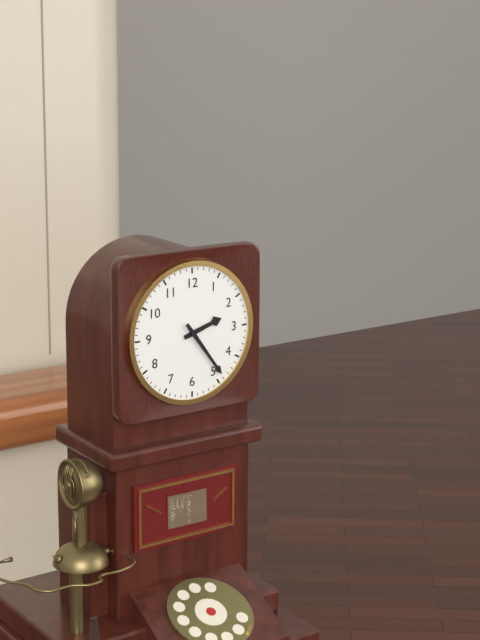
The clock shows 2:24
